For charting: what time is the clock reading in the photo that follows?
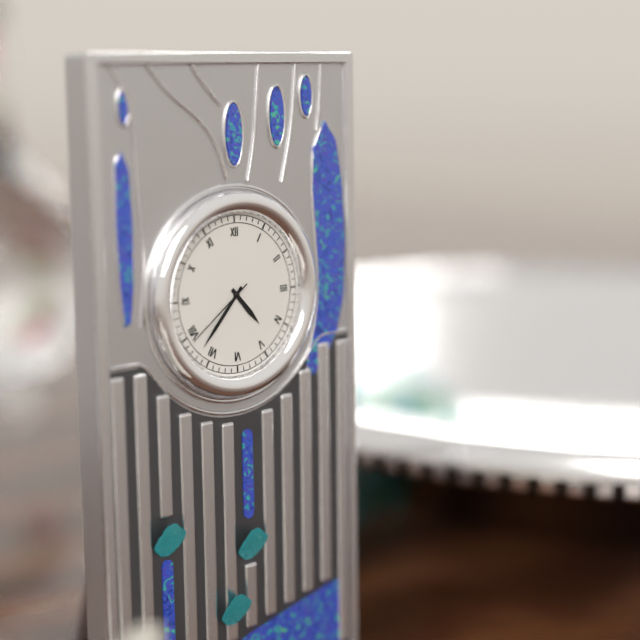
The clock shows 4:37:39
